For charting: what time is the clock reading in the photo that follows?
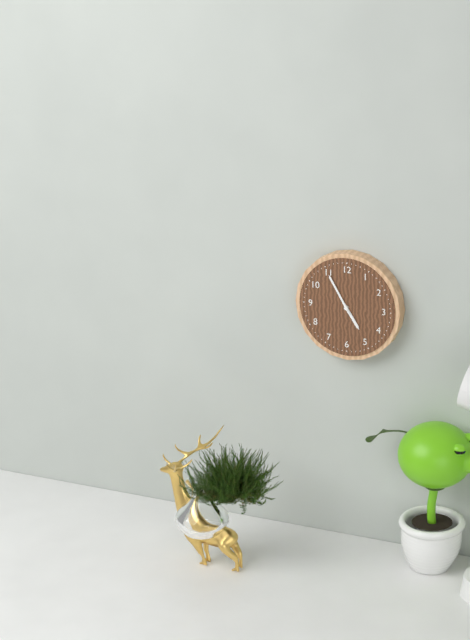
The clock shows 4:55
